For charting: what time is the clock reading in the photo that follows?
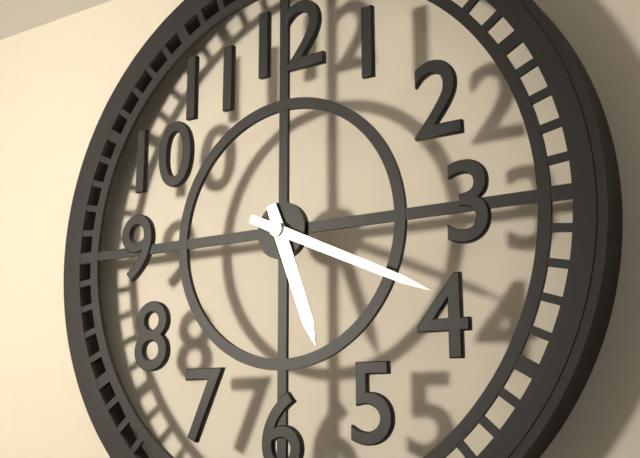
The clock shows 5:19
